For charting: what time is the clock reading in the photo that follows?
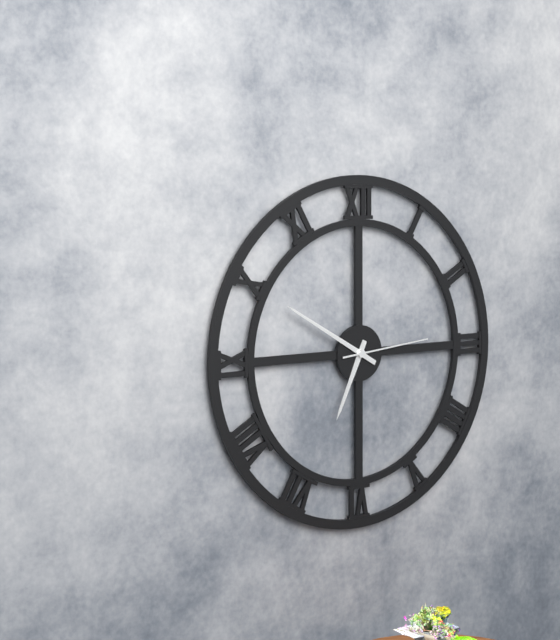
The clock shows 6:50:14
